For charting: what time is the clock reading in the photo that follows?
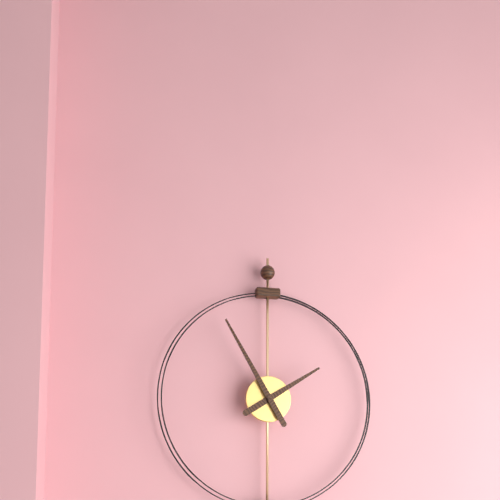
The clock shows 1:55
